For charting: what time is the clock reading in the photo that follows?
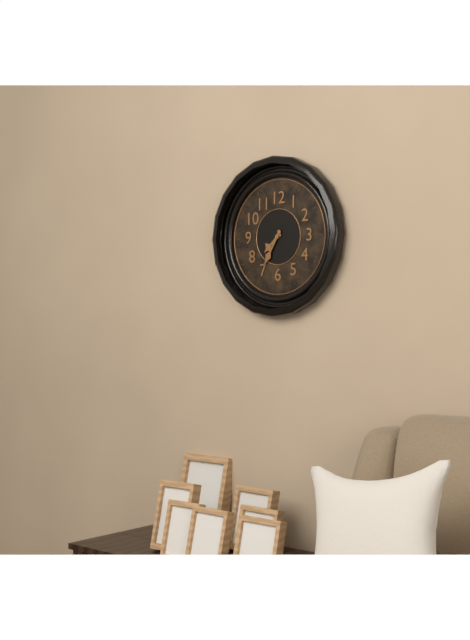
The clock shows 7:35
